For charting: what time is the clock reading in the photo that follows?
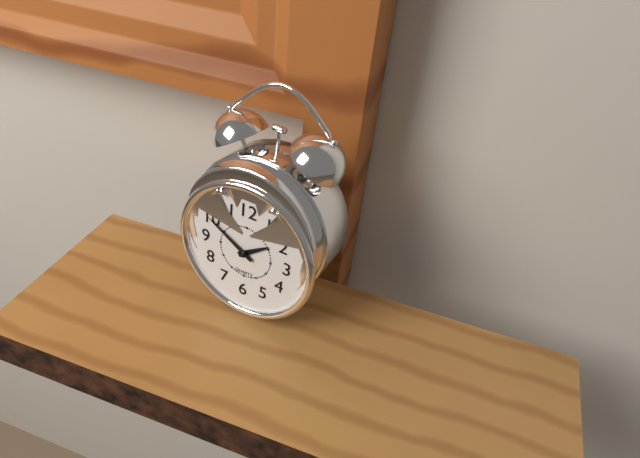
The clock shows 1:50
